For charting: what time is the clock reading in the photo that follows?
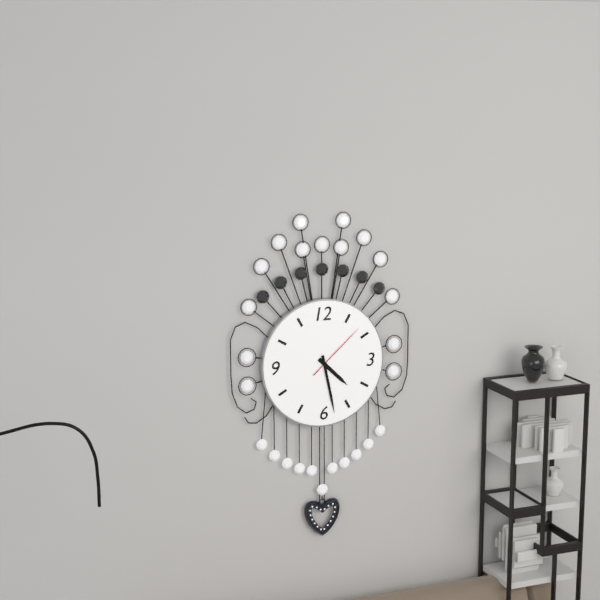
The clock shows 4:28:08
